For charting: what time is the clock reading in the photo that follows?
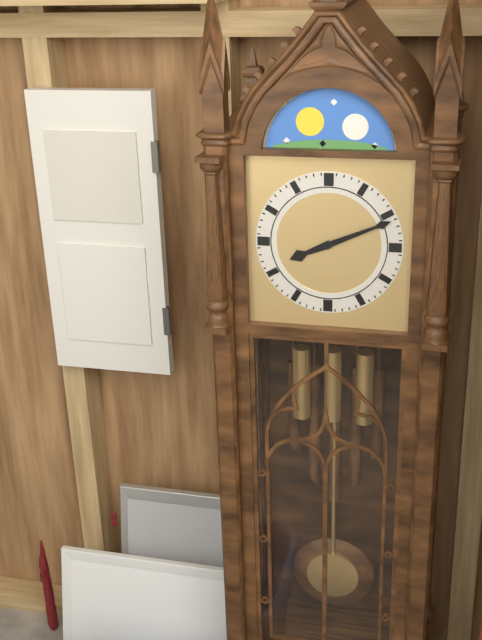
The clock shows 8:11
